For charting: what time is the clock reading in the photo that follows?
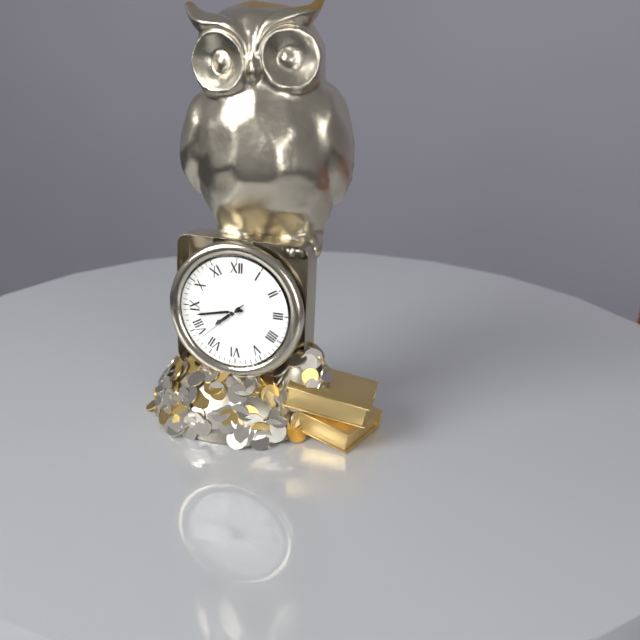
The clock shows 7:43:38
